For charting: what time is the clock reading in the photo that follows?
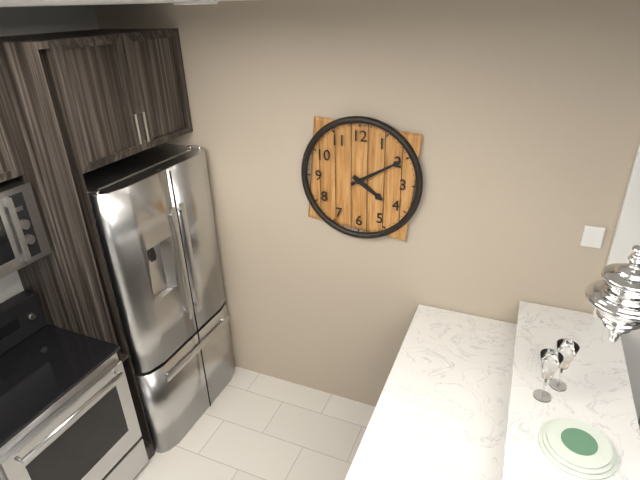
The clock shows 4:10
